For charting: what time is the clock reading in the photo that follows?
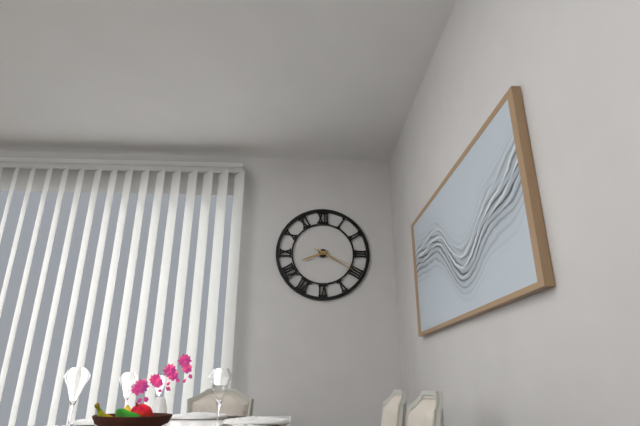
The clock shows 8:20:19
